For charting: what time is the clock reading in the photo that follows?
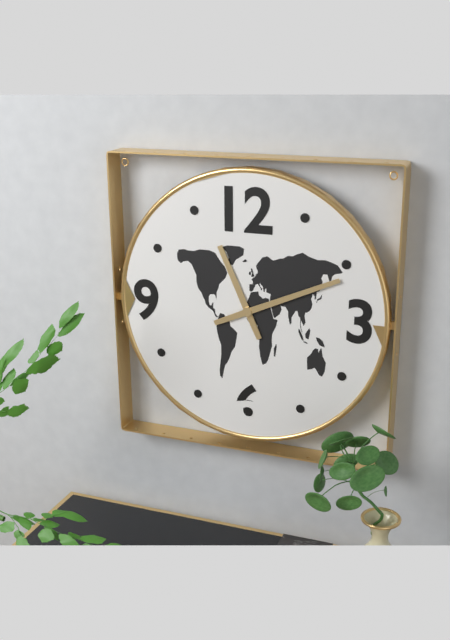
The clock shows 11:11
